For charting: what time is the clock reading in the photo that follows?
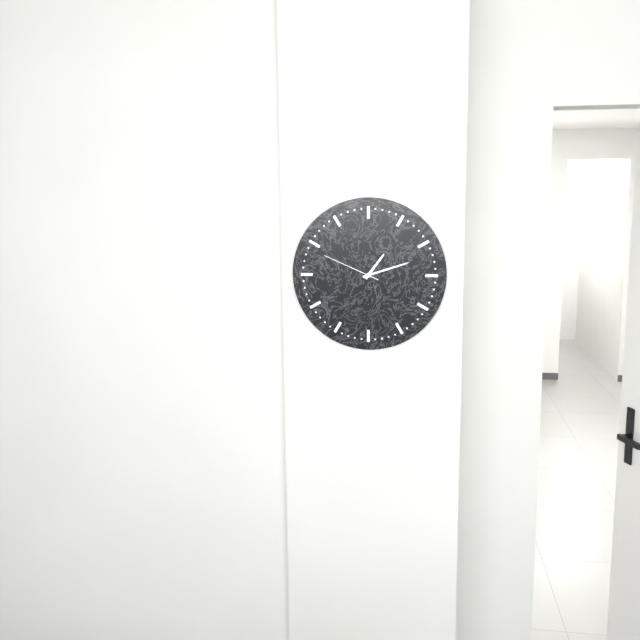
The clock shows 1:12:49
